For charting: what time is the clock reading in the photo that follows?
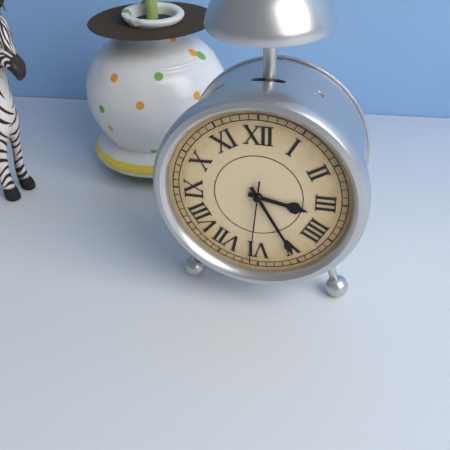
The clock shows 3:25:31
